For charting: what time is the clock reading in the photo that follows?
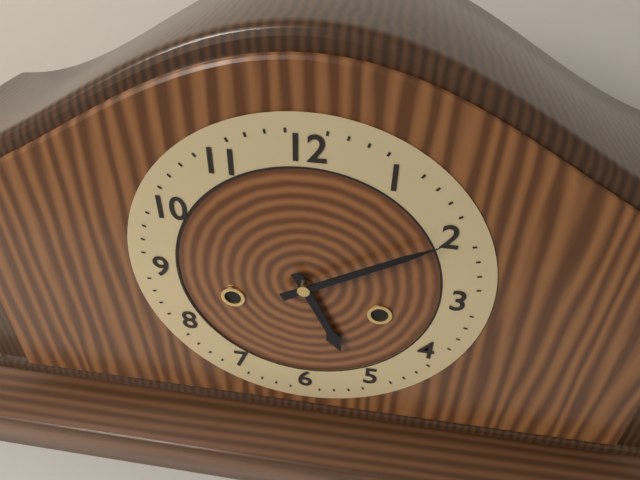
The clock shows 5:10
